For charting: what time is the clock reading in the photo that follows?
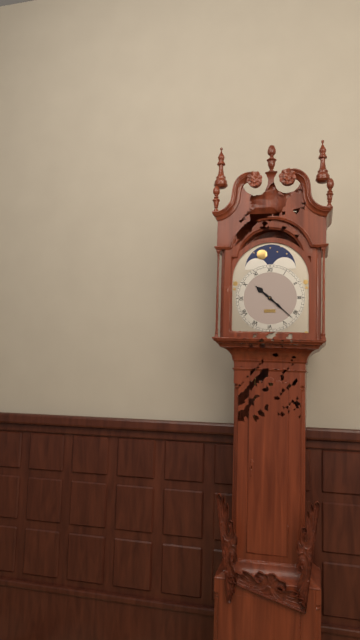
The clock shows 10:22
